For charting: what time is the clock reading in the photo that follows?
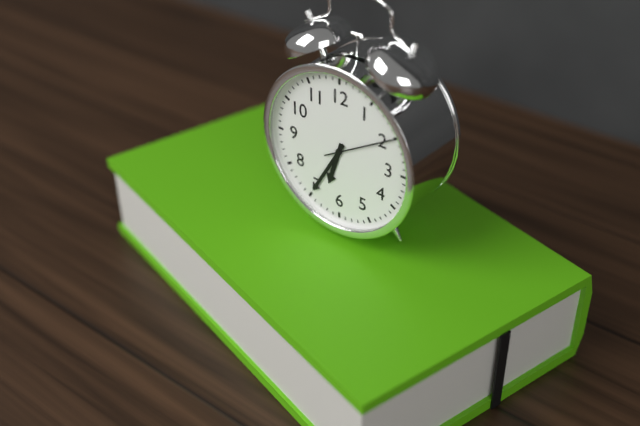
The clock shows 6:35:10
